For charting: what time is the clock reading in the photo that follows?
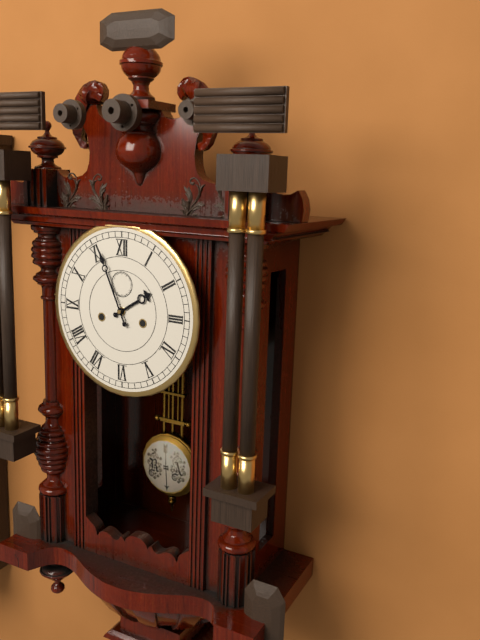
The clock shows 1:56
